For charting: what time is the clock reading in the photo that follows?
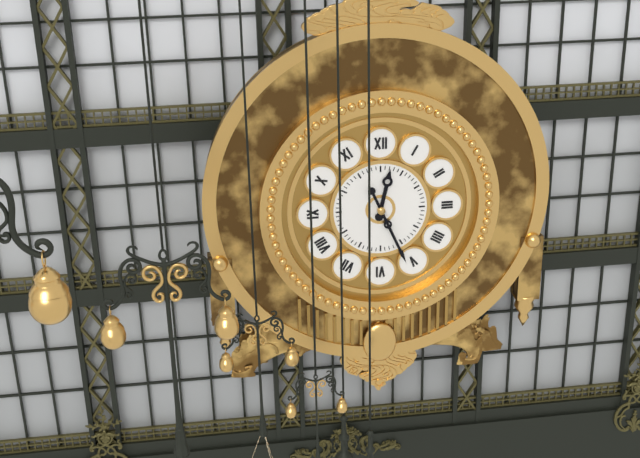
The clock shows 12:26
